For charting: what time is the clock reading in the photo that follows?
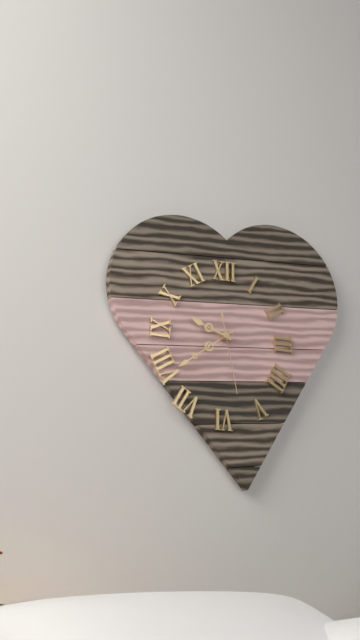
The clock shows 9:39:28
